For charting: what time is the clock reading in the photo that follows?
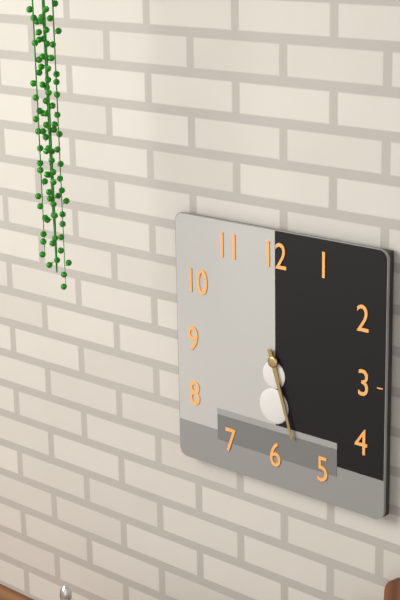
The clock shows 5:27
